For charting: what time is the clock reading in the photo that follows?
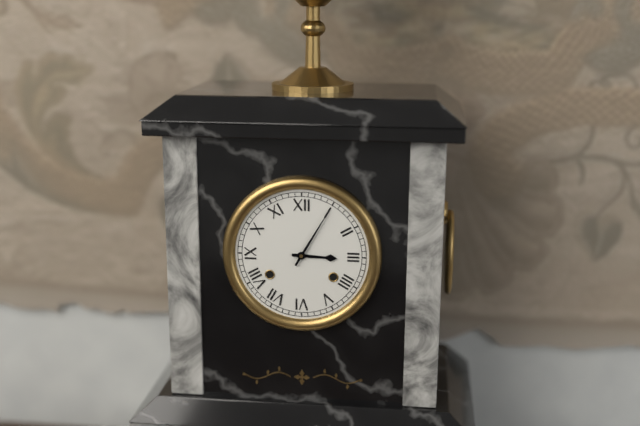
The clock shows 3:05
